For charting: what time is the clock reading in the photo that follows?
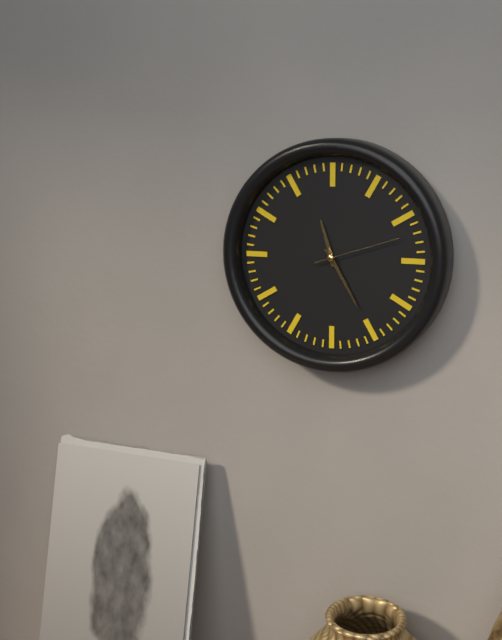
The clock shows 11:25:12
